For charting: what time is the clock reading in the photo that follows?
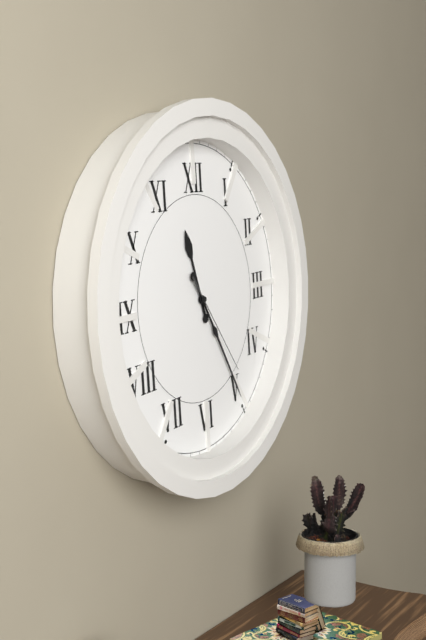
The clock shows 11:25:24
